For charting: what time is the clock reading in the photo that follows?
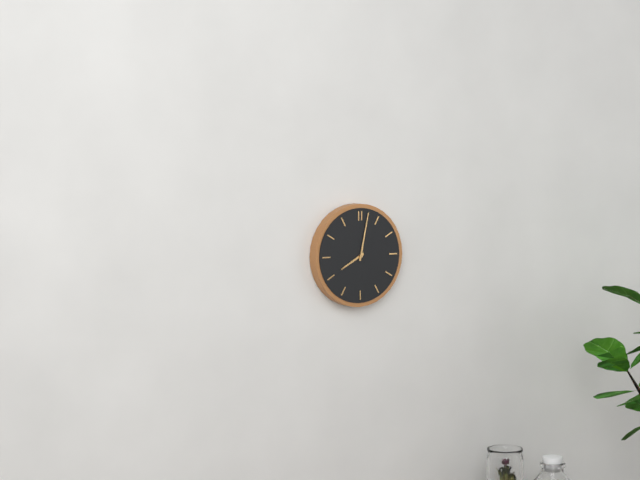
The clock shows 8:02
